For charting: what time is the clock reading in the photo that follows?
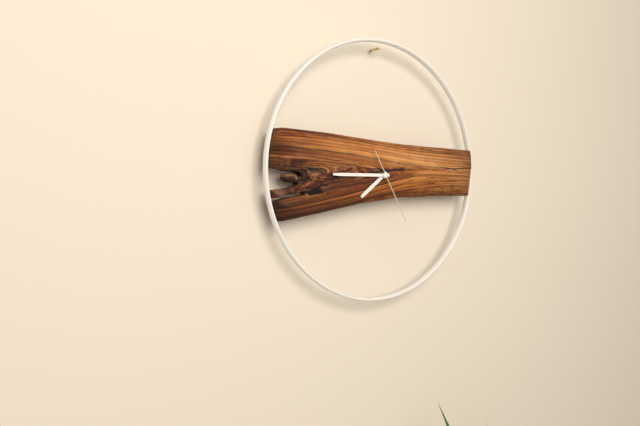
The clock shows 7:45:25
